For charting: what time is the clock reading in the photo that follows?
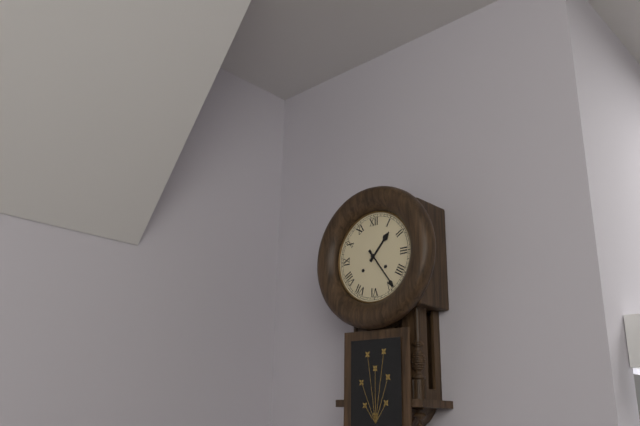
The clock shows 1:24
